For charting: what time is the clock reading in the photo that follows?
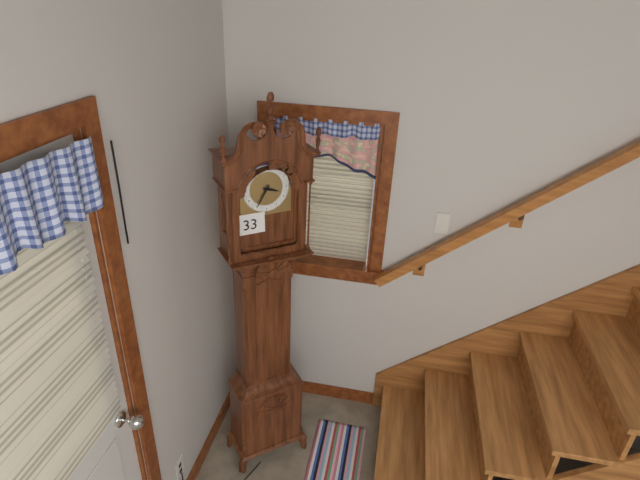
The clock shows 3:35
